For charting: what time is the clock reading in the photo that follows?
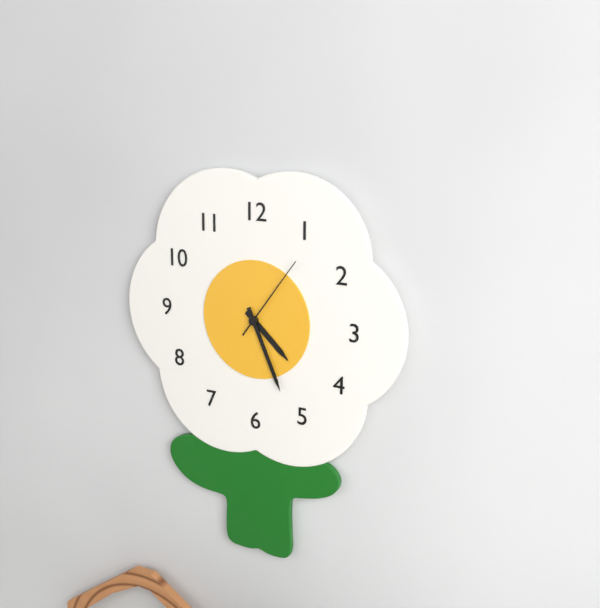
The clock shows 4:26:06
